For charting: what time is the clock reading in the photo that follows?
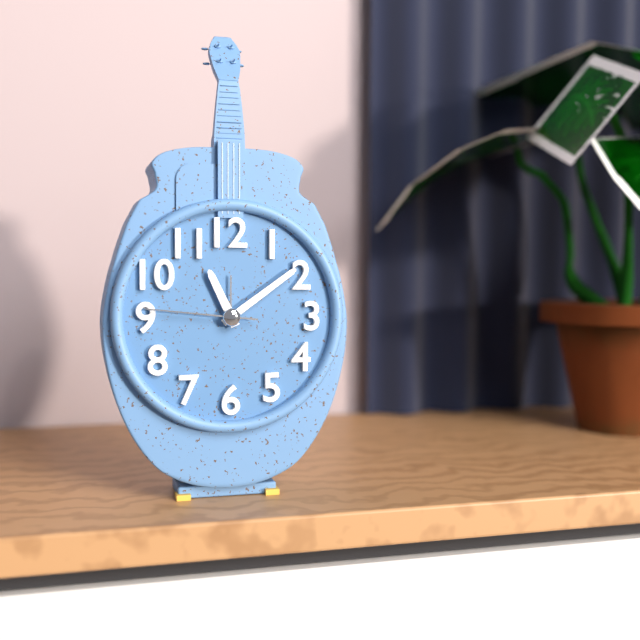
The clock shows 11:09:46
